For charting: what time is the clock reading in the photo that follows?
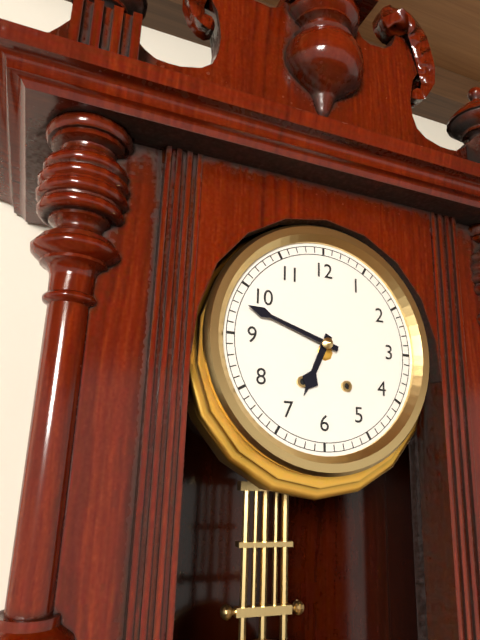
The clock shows 6:48
